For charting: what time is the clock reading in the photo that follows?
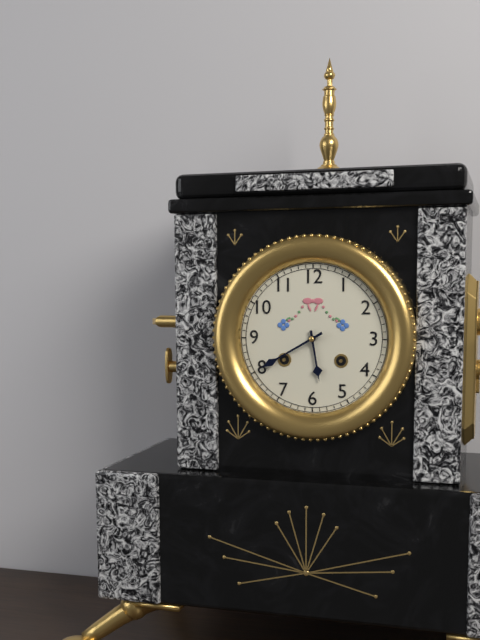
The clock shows 5:40
